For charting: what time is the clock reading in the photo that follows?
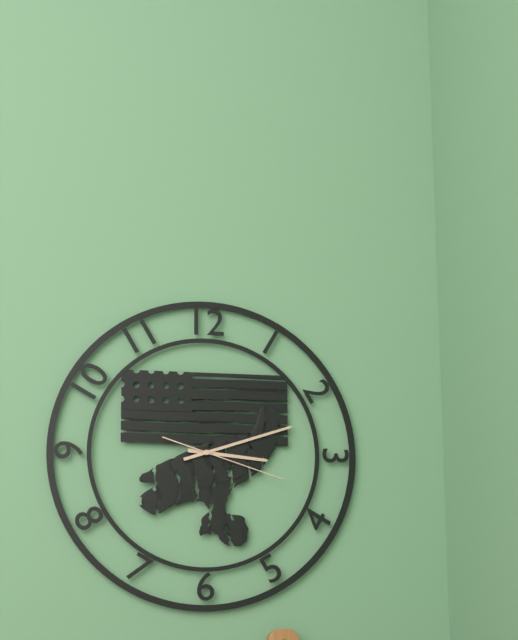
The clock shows 3:12:18
